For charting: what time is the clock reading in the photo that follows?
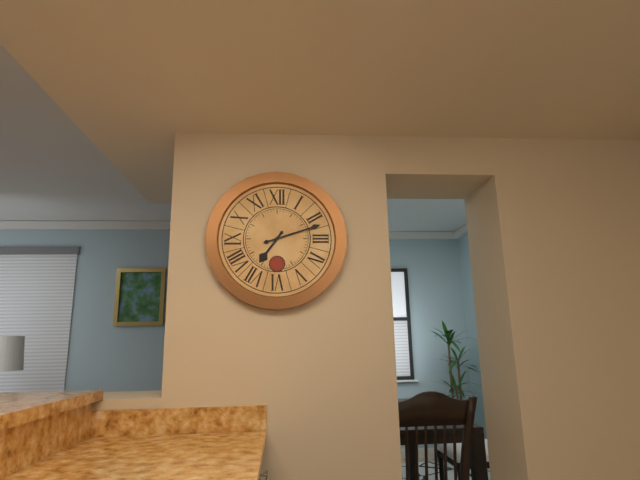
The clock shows 7:12
